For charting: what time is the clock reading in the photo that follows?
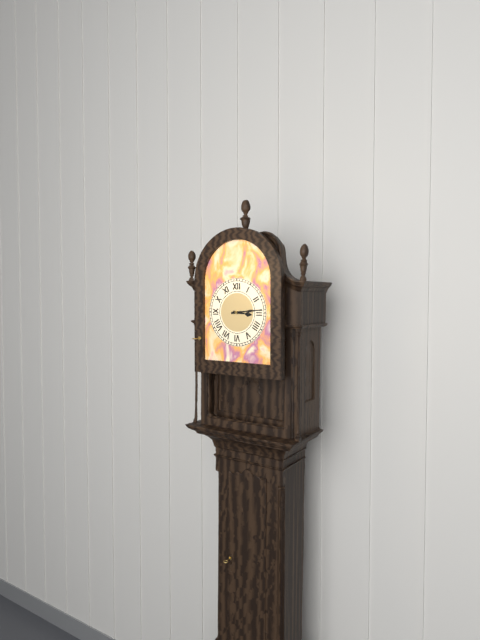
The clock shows 3:14
